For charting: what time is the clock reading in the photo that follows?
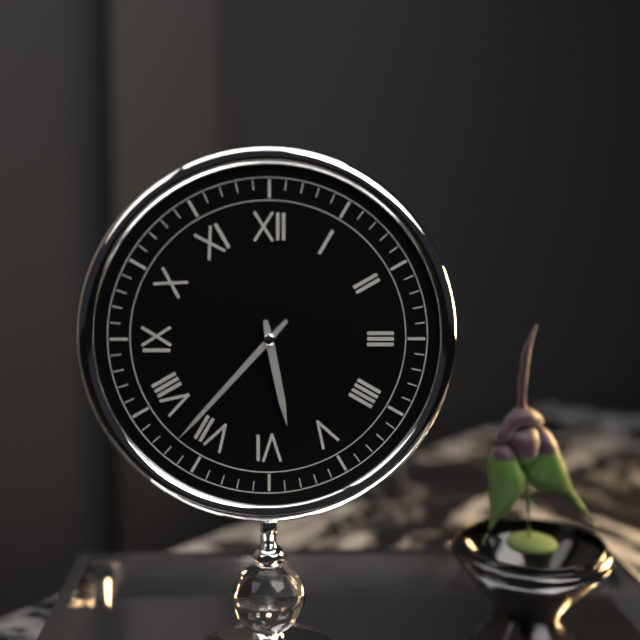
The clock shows 5:37
